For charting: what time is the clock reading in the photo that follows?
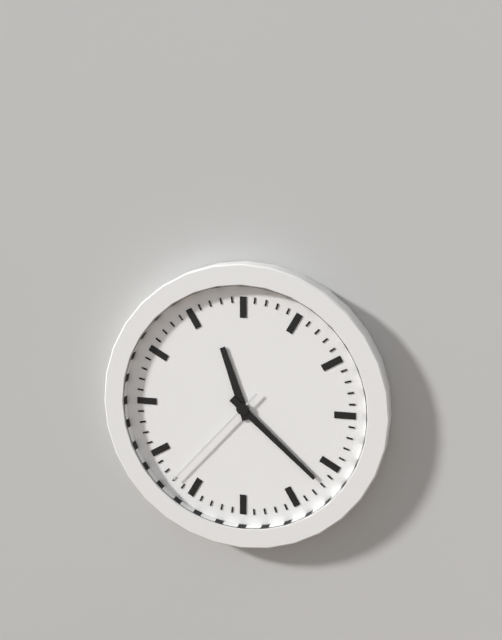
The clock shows 11:22:37
